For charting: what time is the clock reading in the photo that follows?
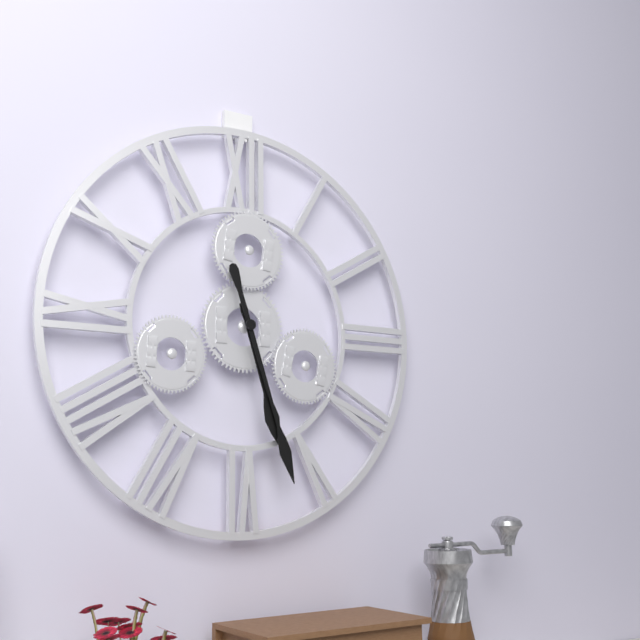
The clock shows 5:27
